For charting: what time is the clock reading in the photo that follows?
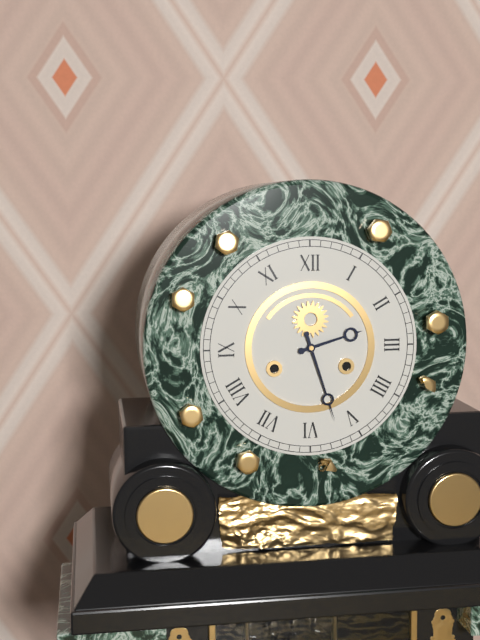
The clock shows 2:27
